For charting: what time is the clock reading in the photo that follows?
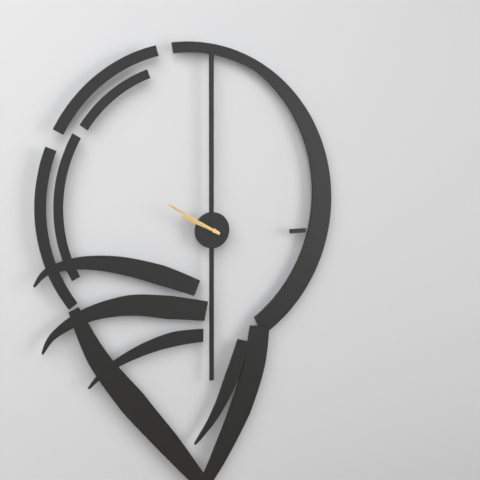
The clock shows 9:50
